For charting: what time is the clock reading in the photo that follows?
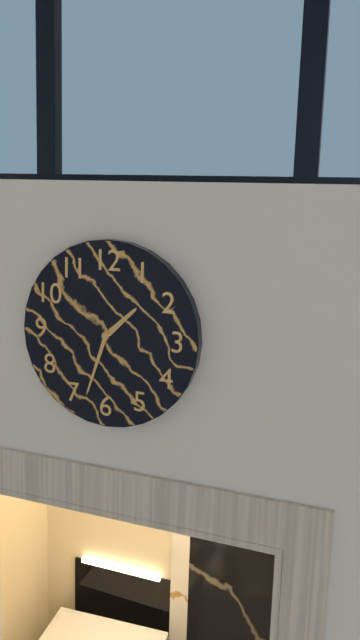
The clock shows 1:33
